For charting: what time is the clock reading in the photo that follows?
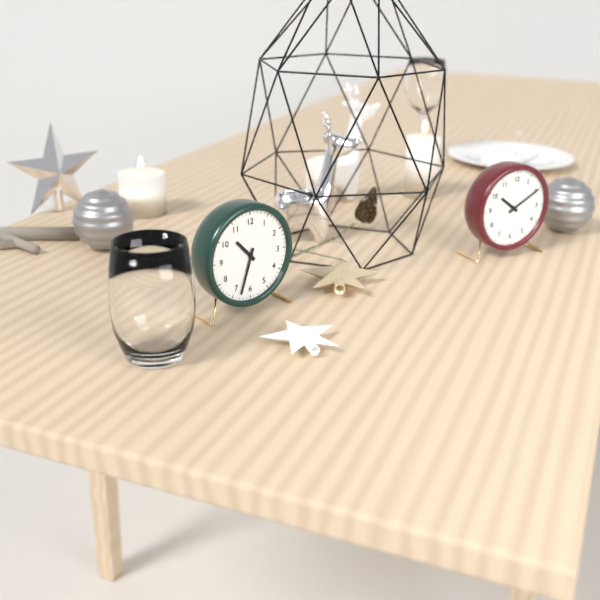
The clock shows 10:33
